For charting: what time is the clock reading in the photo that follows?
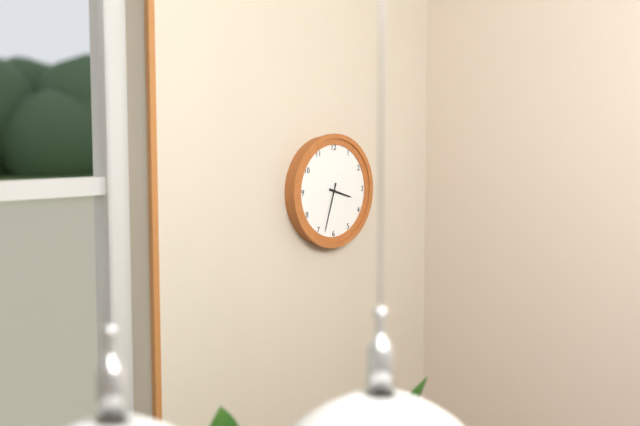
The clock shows 3:33
